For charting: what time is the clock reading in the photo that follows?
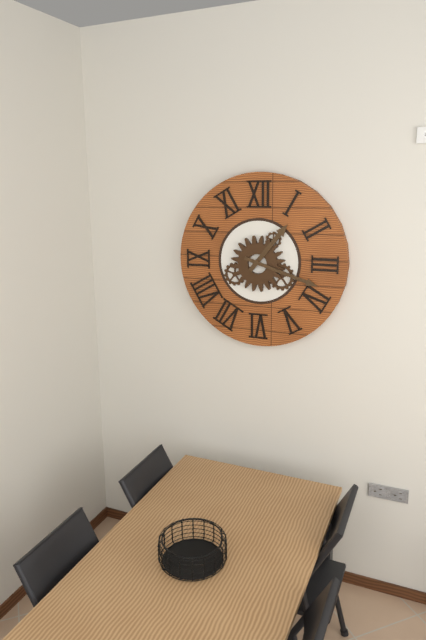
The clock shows 1:18
